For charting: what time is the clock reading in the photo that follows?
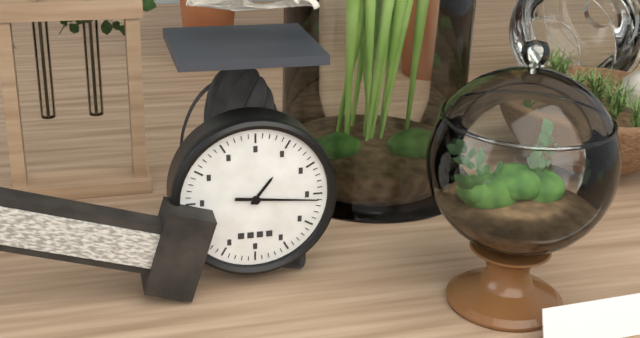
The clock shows 1:16
